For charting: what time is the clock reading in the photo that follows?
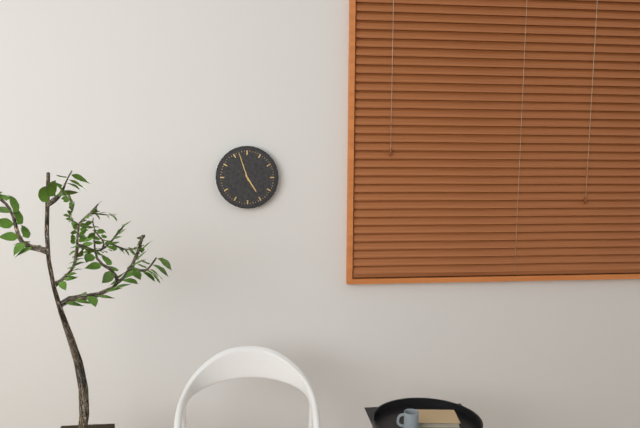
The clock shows 4:57
